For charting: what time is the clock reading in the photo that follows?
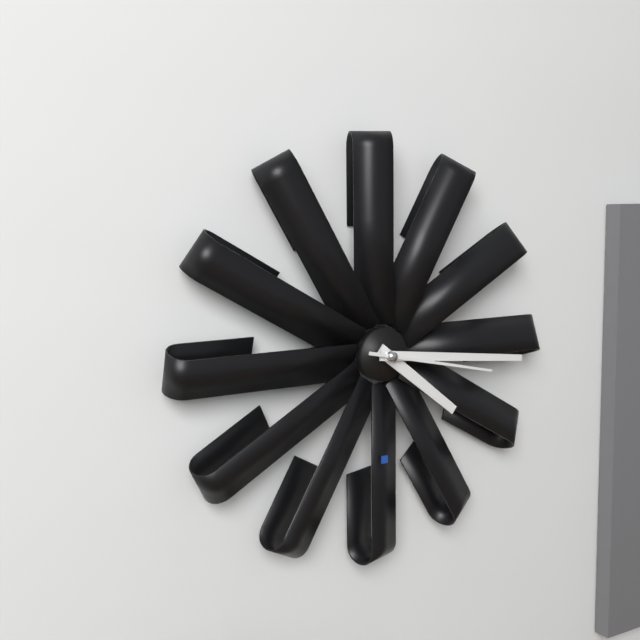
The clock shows 4:16:17
